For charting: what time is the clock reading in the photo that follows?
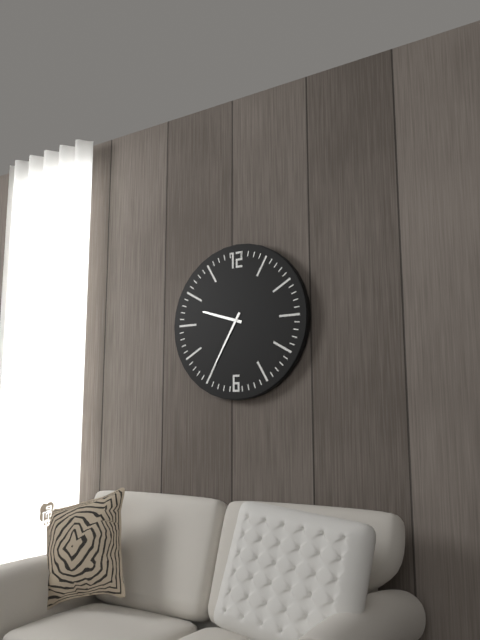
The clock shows 9:35
